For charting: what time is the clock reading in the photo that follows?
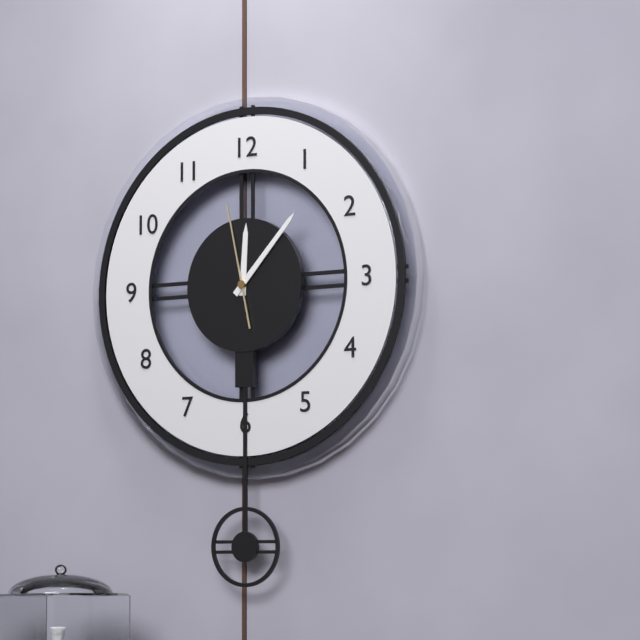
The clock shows 12:07:58
